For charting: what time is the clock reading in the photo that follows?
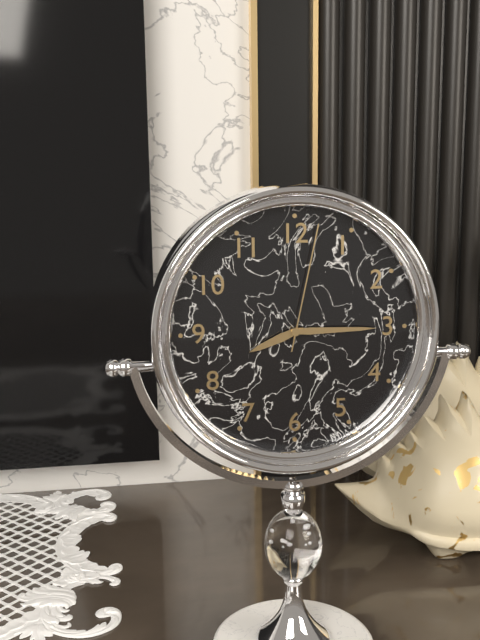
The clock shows 8:15:02
